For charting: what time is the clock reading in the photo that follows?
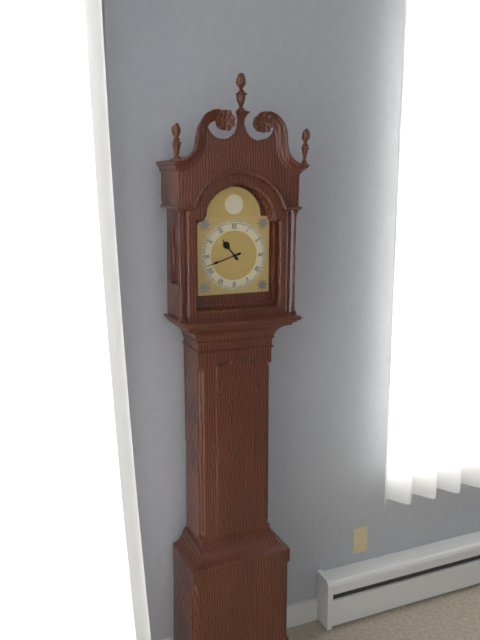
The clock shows 10:42
